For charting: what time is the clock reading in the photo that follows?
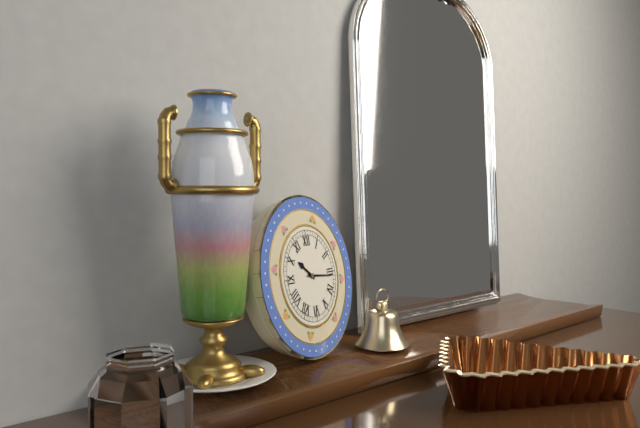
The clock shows 10:16
